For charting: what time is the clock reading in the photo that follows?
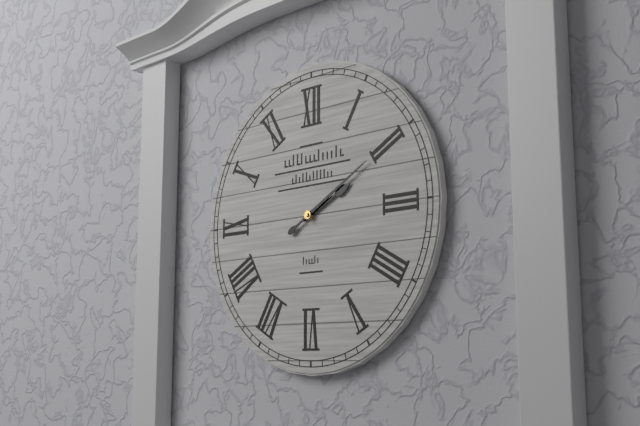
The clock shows 2:10
